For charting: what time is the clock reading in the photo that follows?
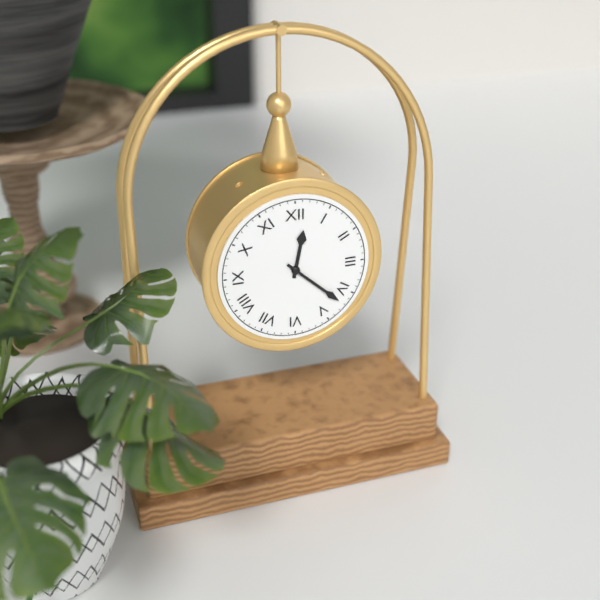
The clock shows 12:22
